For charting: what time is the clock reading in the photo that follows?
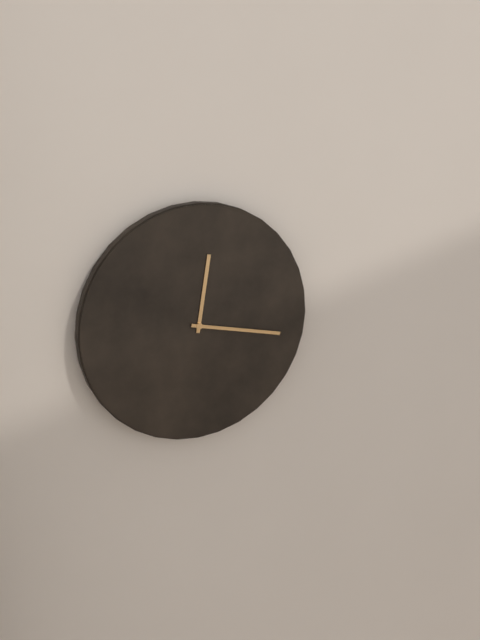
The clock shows 12:17
